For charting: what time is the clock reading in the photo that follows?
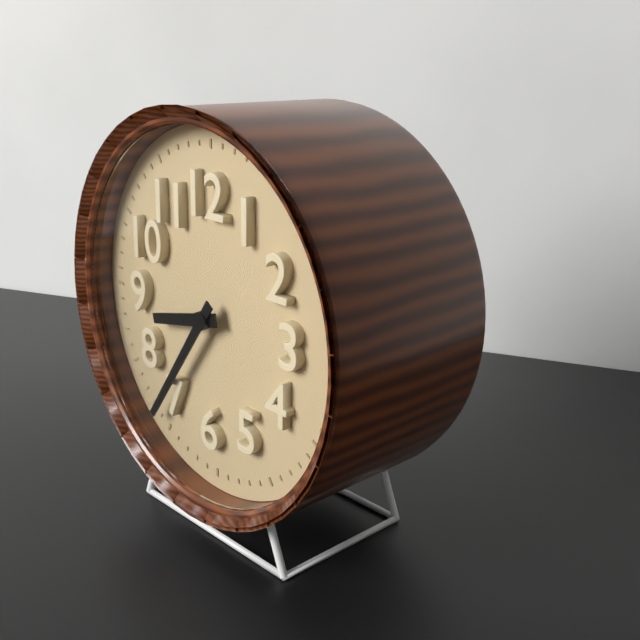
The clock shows 8:36
